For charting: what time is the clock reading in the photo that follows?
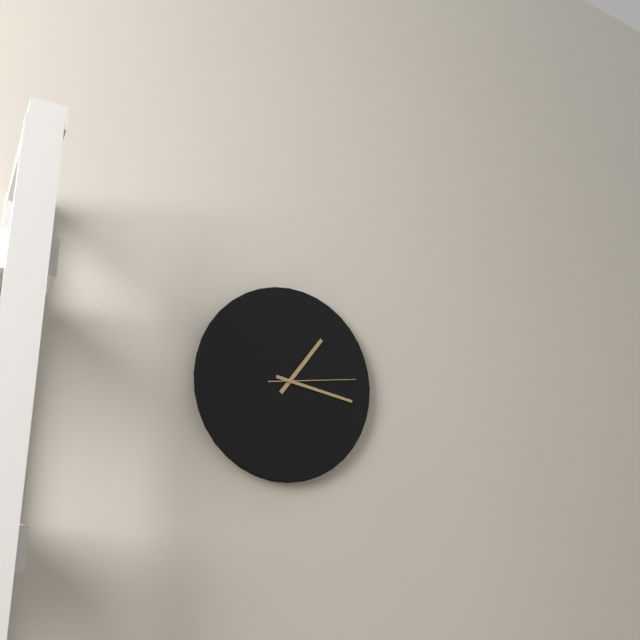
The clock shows 1:17:14
